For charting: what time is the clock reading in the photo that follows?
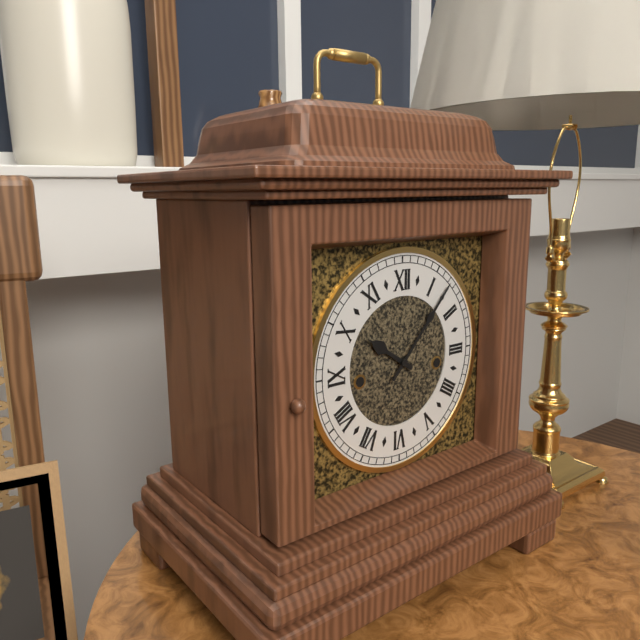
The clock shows 10:07
